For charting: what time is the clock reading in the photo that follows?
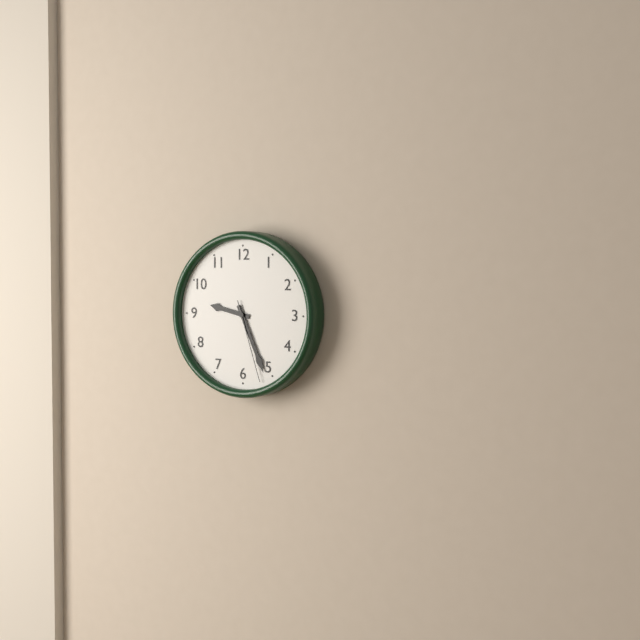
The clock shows 9:26:27
